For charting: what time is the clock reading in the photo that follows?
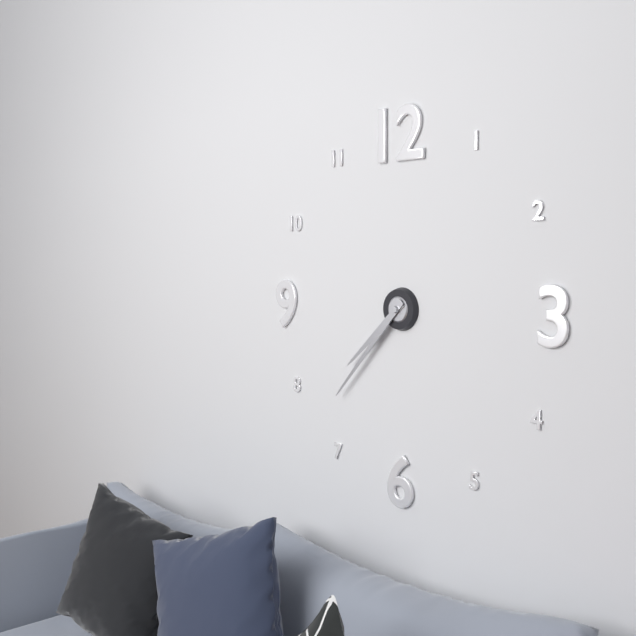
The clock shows 7:37
